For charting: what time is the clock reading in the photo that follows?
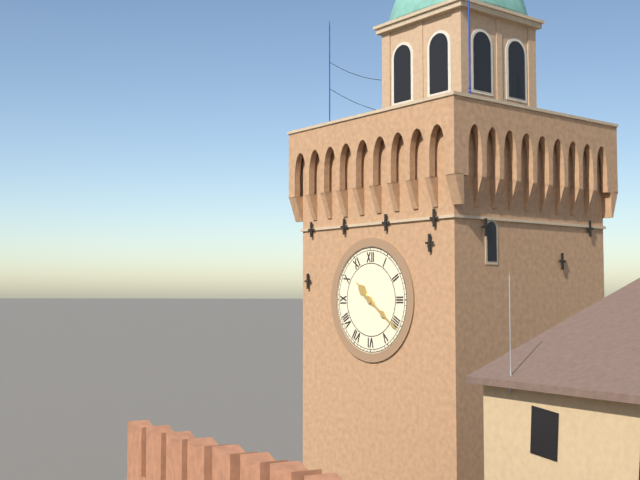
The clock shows 10:21
